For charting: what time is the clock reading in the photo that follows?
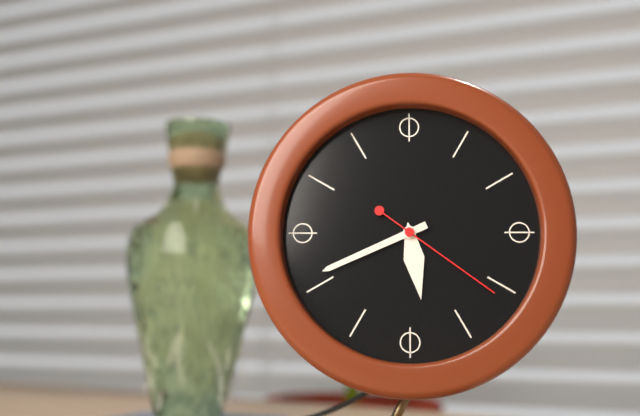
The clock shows 5:41:21
